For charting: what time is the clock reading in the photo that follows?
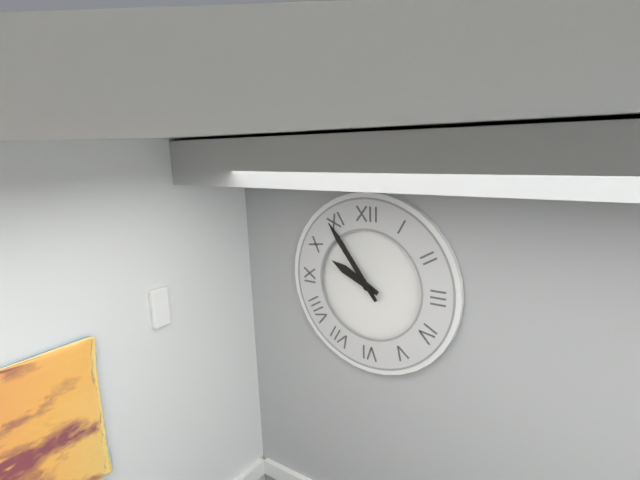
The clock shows 9:54
